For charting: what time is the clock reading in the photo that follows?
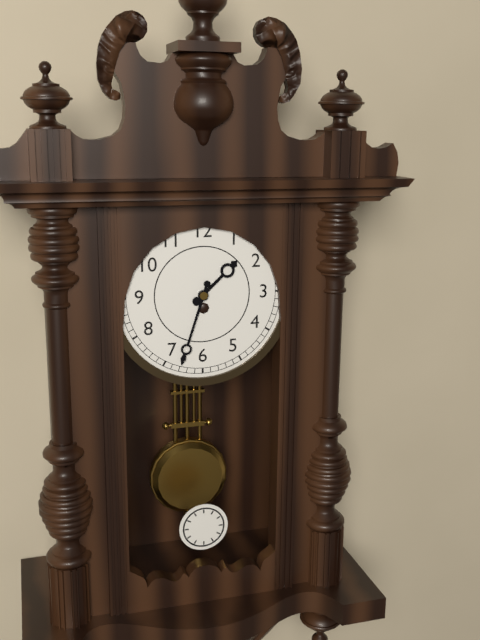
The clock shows 1:33
